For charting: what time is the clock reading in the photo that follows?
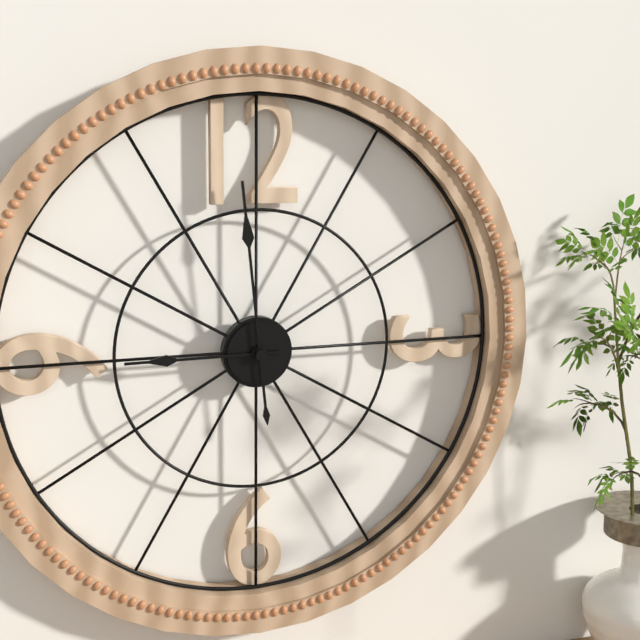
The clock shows 8:59
